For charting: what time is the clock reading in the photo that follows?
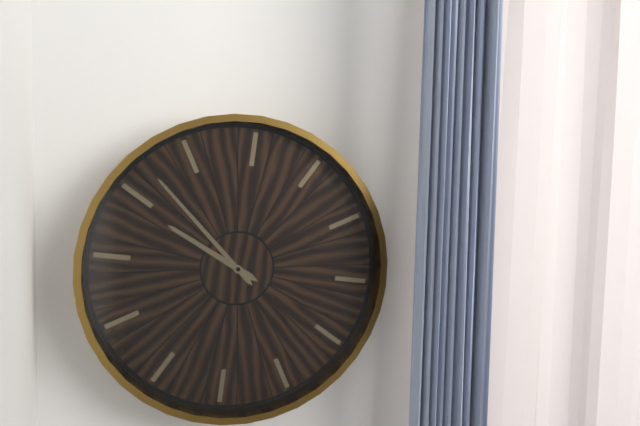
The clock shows 9:52
